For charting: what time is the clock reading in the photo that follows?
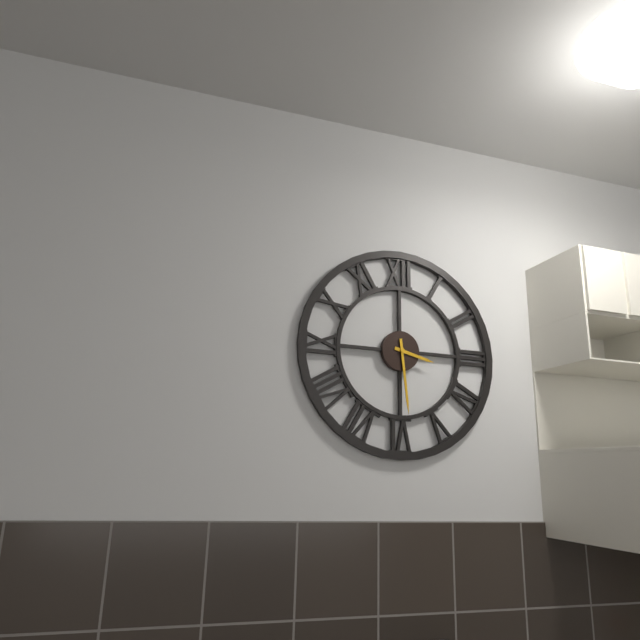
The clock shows 3:29
